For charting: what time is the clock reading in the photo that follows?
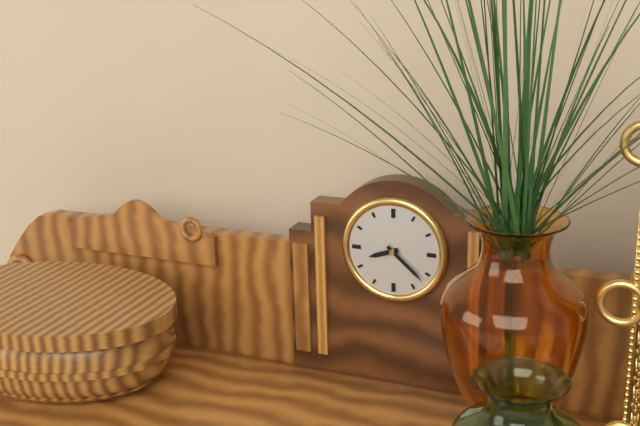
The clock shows 8:22
